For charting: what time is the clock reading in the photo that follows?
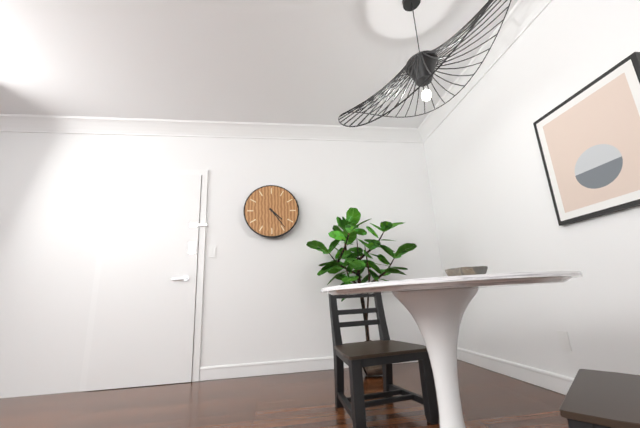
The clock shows 4:24
